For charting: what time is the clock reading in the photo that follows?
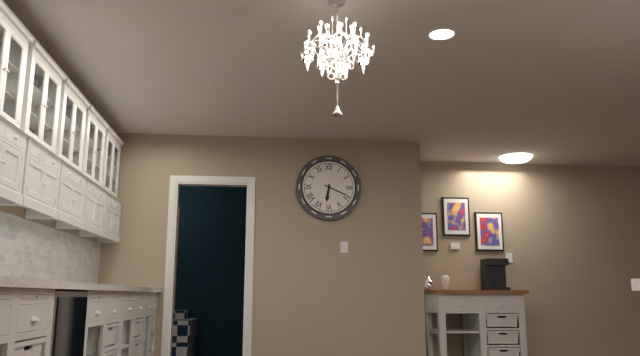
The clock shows 6:19
